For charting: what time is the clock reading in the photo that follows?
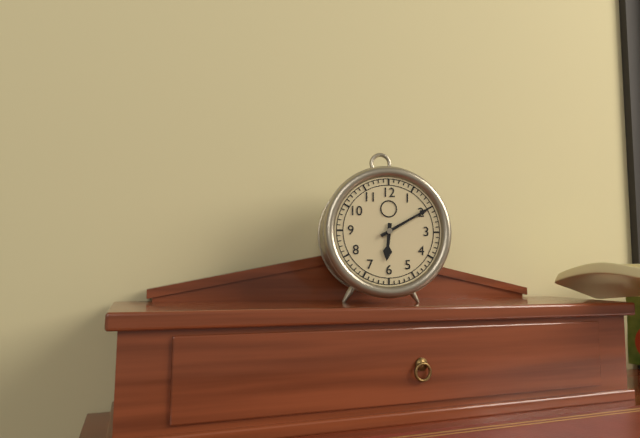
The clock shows 6:10
